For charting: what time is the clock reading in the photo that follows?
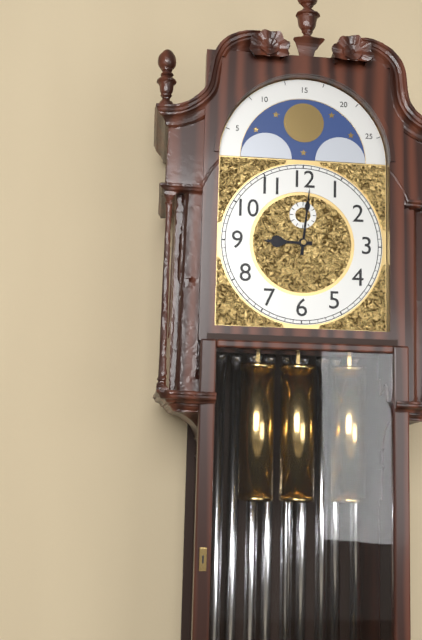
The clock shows 9:01
